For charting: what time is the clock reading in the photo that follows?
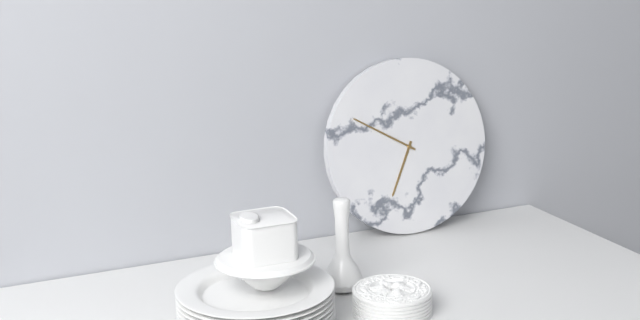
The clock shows 6:50
